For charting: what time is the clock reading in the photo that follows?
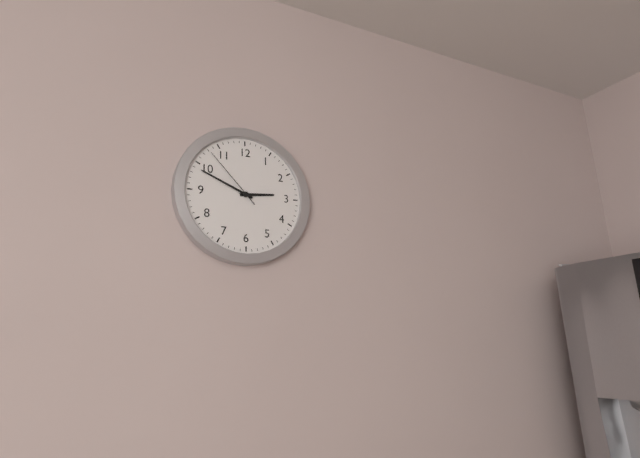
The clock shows 2:49:53
